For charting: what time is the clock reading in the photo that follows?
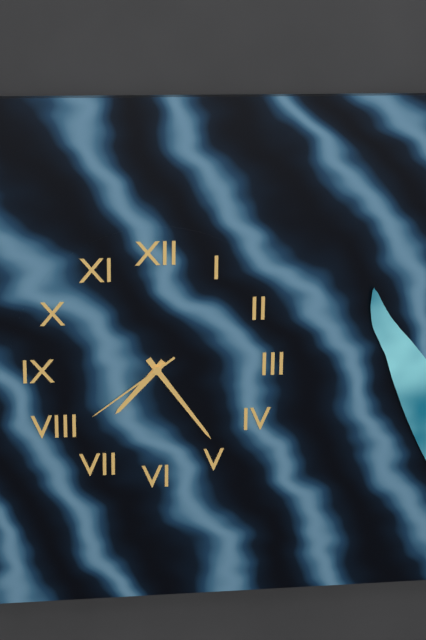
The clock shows 7:24:39
